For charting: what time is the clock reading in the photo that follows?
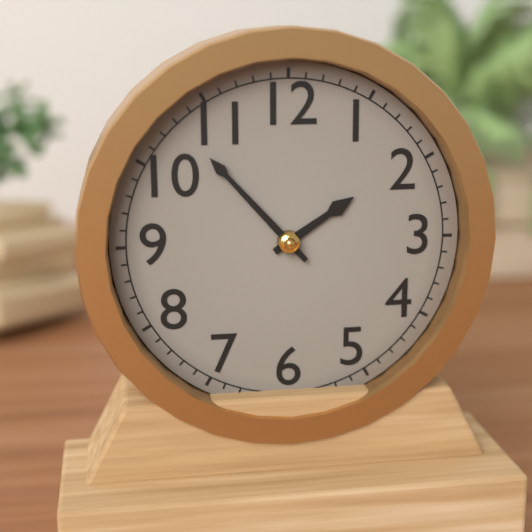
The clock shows 1:53
